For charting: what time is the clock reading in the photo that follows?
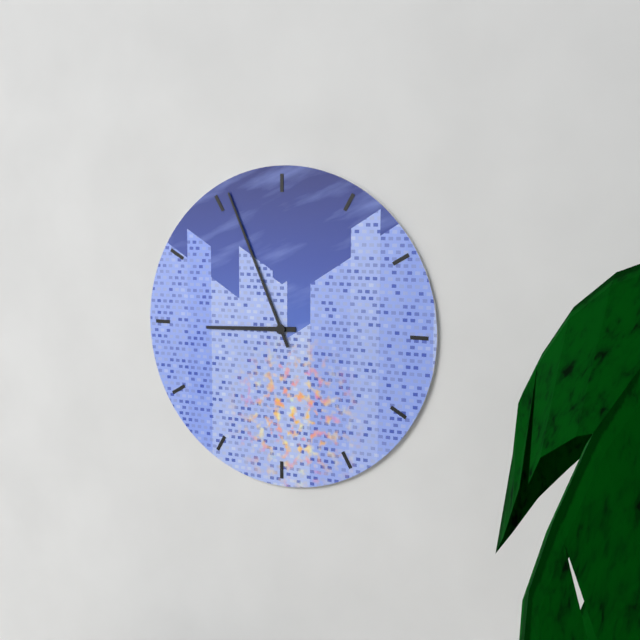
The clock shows 8:56
